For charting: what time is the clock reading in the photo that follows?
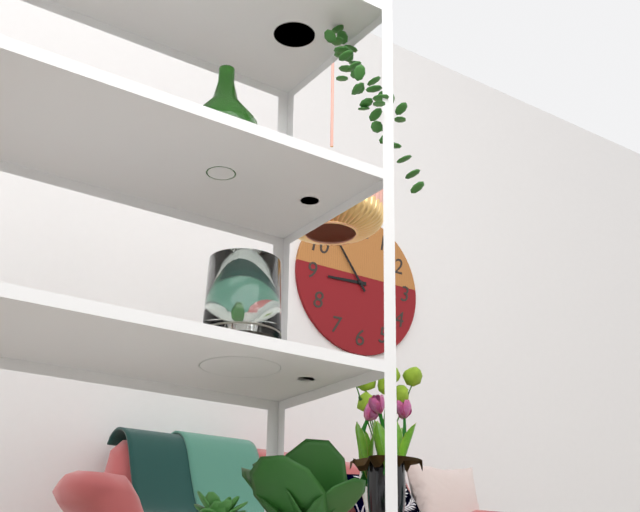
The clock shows 8:54
